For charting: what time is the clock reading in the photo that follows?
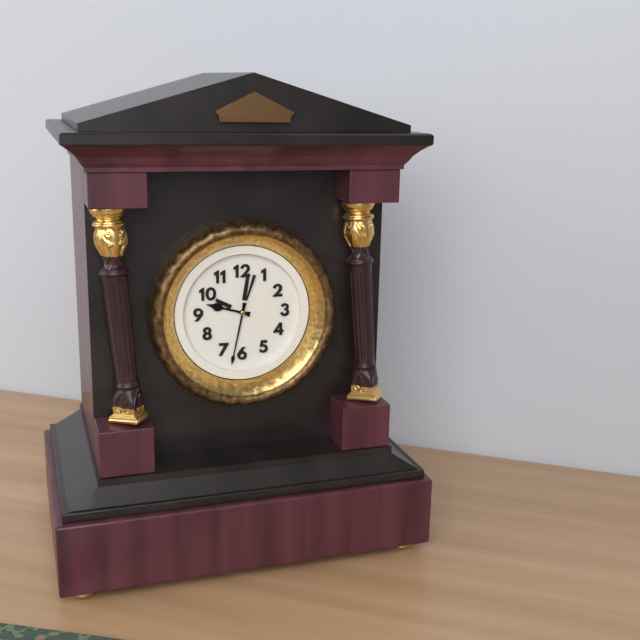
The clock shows 9:32
